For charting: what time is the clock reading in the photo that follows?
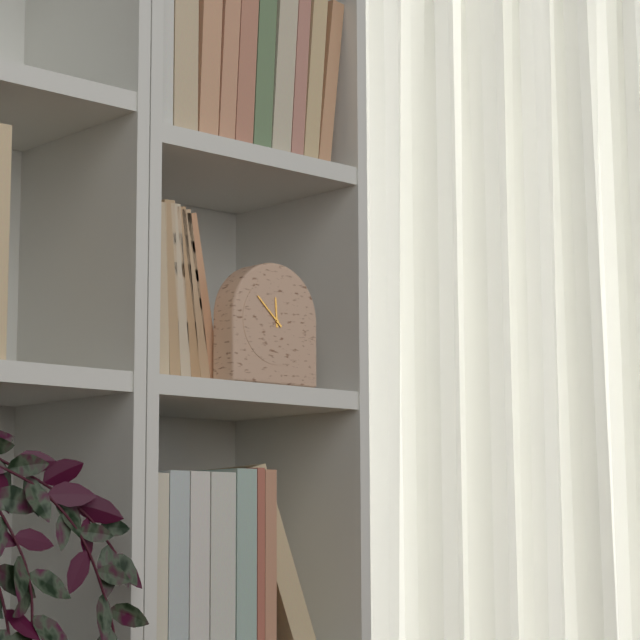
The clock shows 11:52
